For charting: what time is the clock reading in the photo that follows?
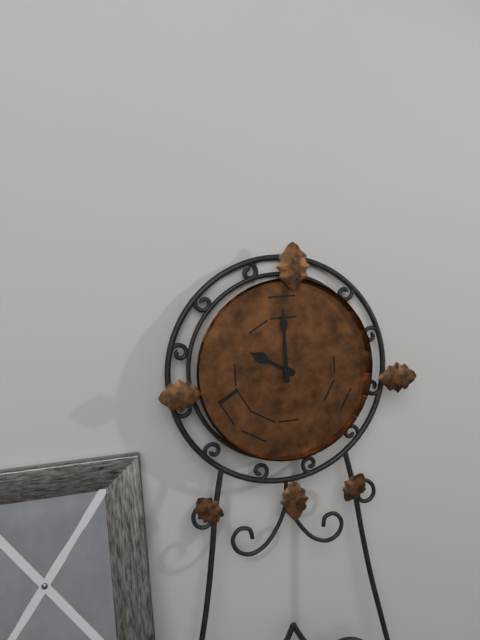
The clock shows 10:00
